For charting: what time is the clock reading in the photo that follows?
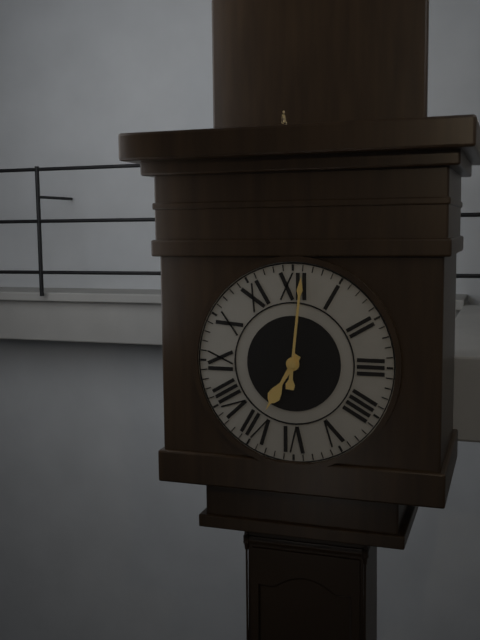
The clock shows 7:01
